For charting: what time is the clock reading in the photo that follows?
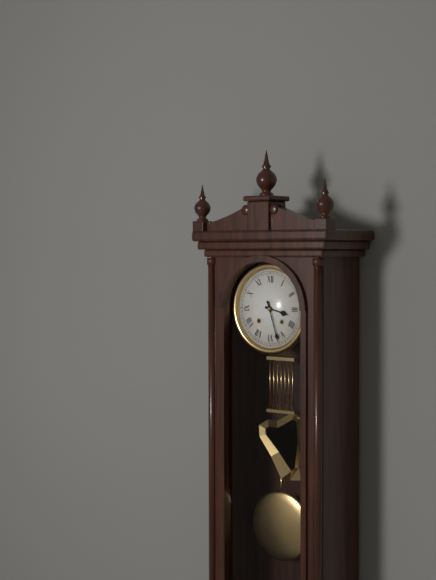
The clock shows 3:27
